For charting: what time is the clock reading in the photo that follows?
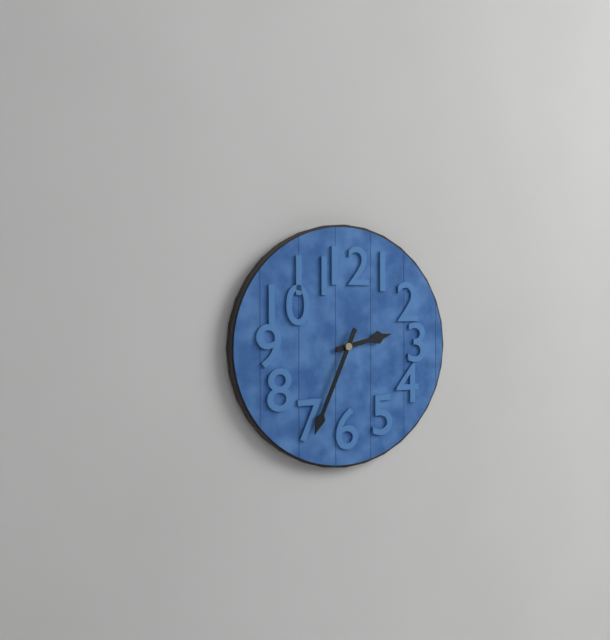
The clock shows 2:34
